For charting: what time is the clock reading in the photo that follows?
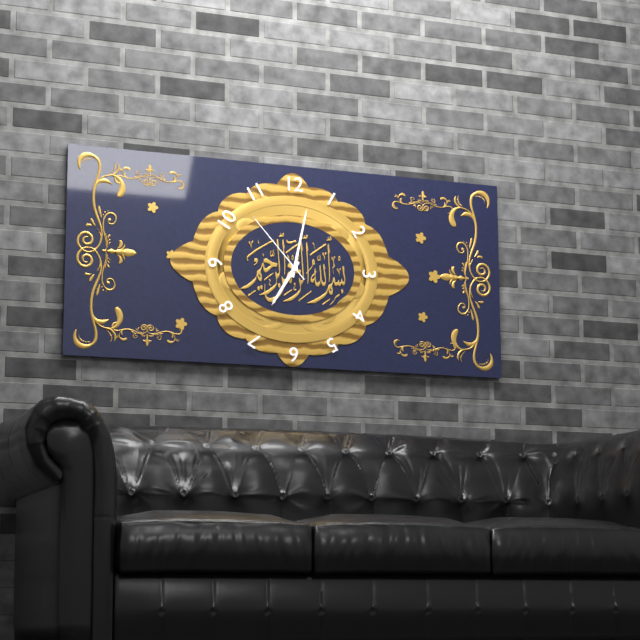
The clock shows 7:02:53
